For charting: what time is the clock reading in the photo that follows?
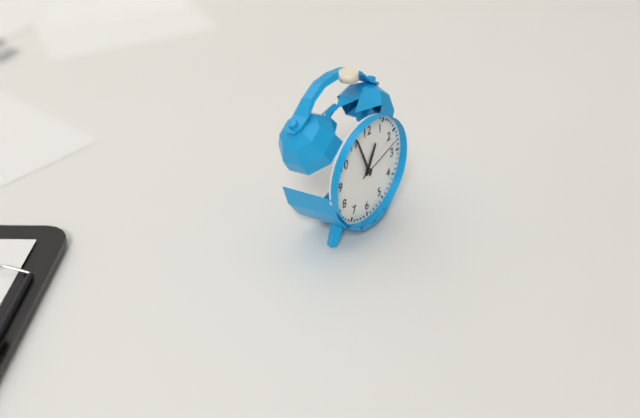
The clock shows 12:56:12
